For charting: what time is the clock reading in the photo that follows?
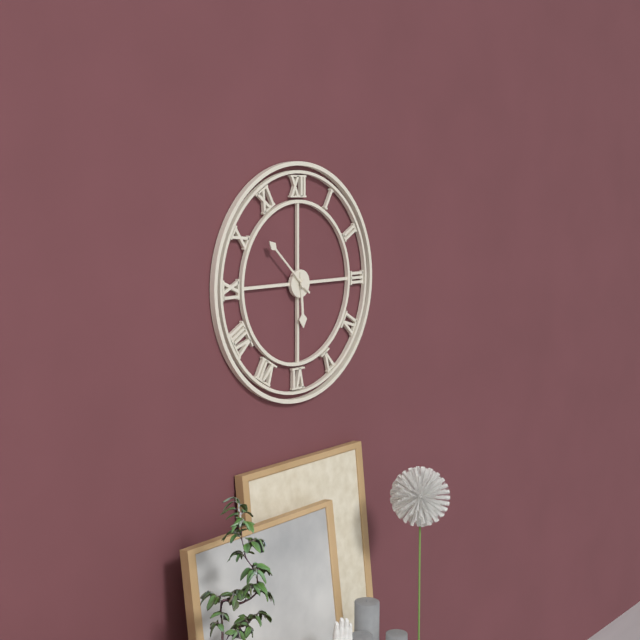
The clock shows 5:52
